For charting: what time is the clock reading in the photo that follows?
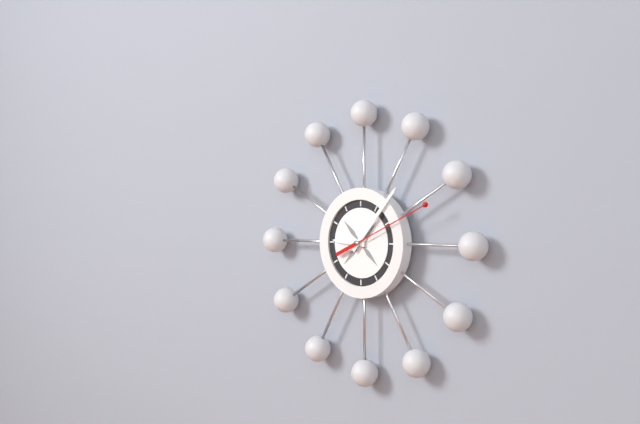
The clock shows 9:07:11
